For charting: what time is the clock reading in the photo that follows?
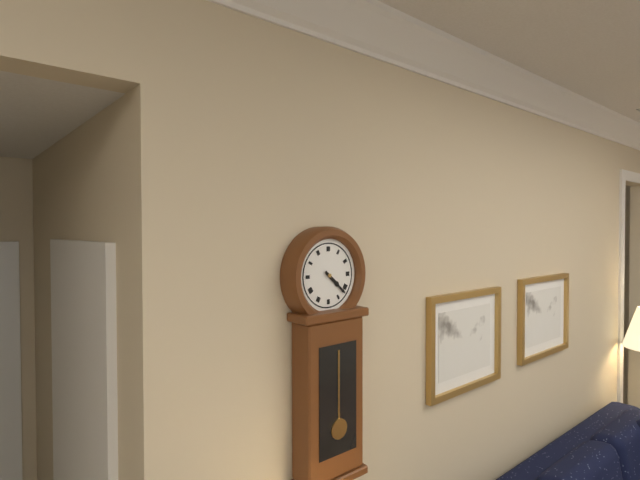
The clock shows 4:22
